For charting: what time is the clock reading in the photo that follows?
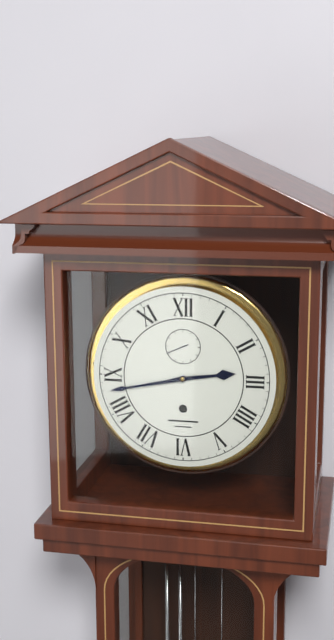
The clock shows 2:43
